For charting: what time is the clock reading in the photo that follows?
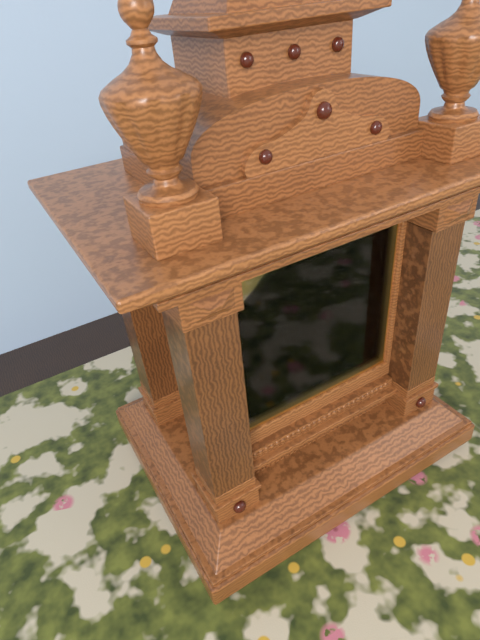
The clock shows 8:45
